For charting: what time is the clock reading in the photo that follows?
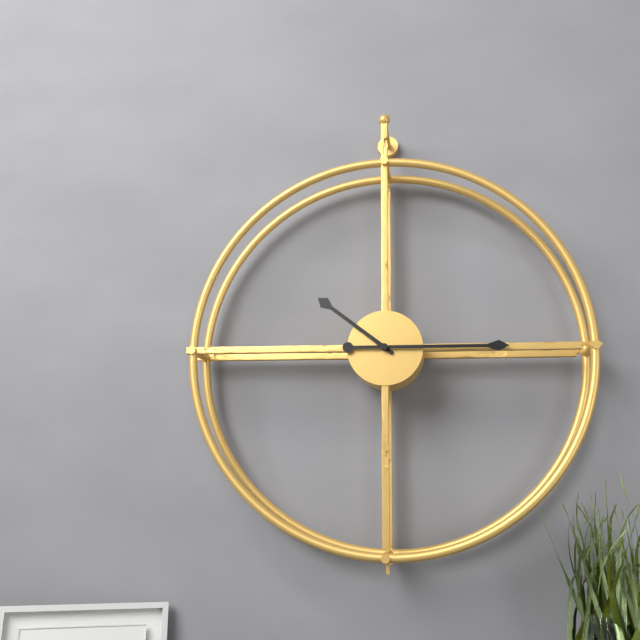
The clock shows 10:15
